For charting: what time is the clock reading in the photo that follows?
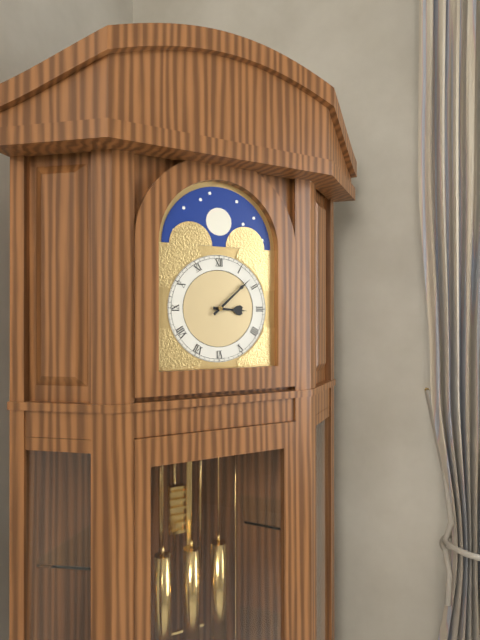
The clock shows 3:08
